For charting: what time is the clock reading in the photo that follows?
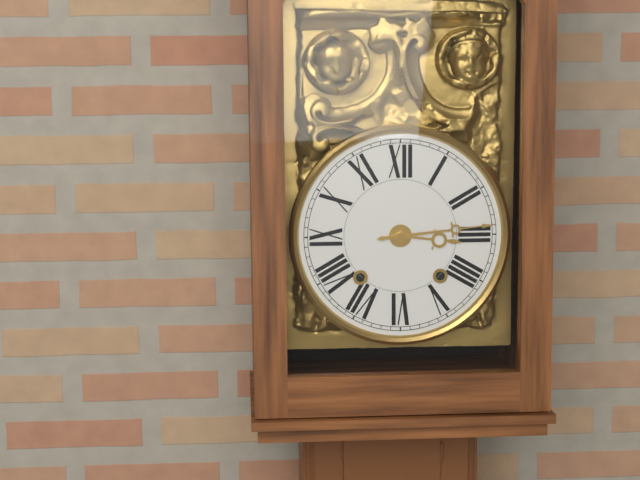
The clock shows 3:14
